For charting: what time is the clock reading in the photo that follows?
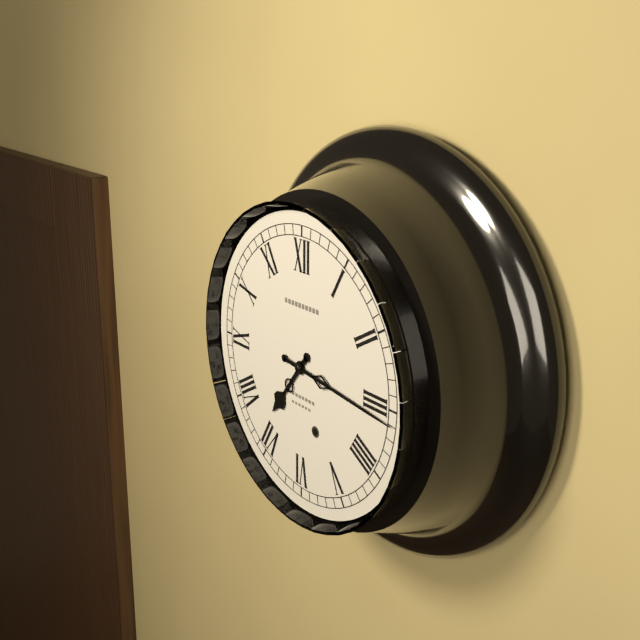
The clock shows 7:16
